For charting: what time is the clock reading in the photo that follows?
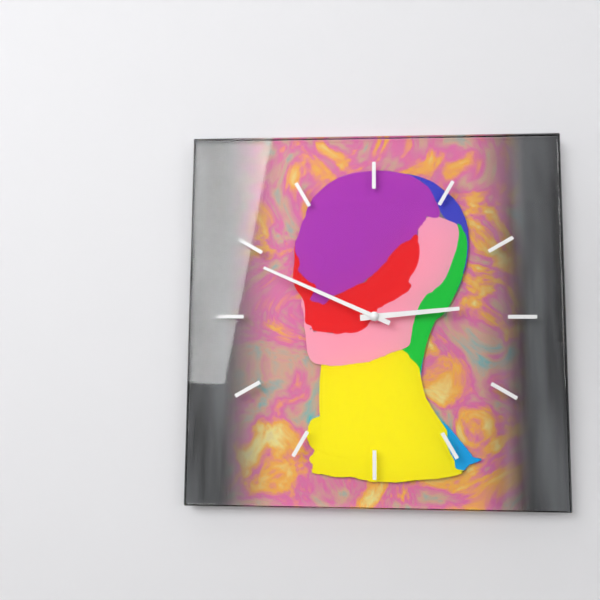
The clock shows 2:49
